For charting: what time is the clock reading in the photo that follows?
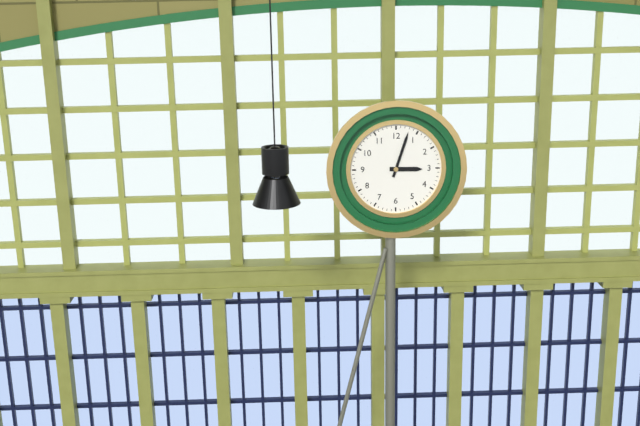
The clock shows 3:03
